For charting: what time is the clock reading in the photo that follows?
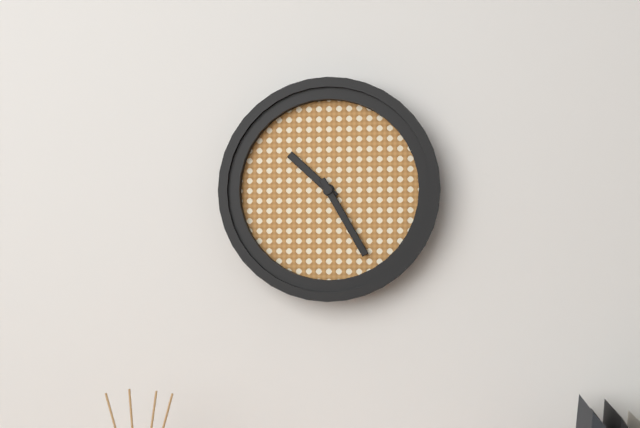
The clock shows 10:25
